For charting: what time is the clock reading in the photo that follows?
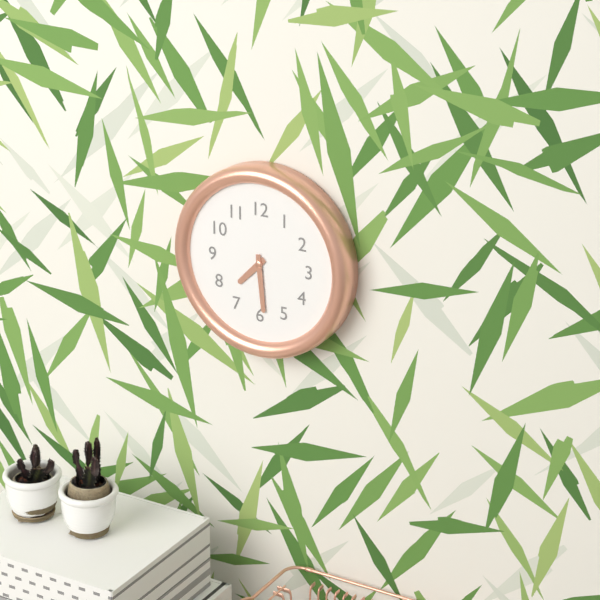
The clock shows 7:29
